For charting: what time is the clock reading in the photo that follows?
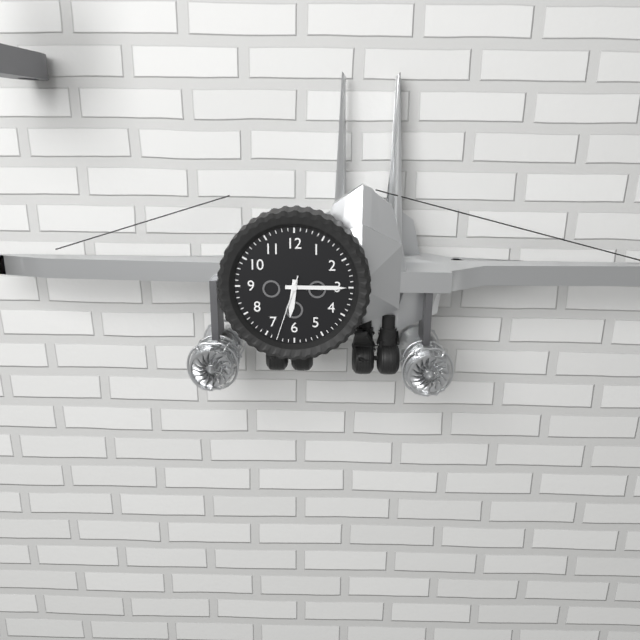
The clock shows 6:15:33
